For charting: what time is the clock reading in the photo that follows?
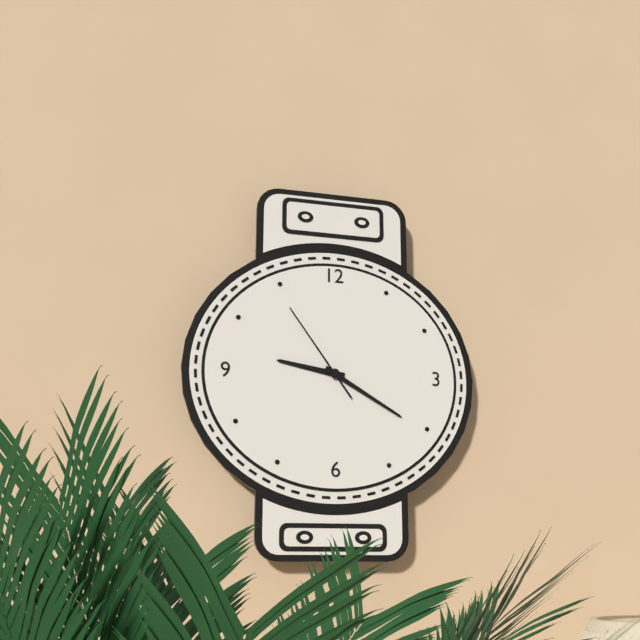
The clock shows 9:20:54
